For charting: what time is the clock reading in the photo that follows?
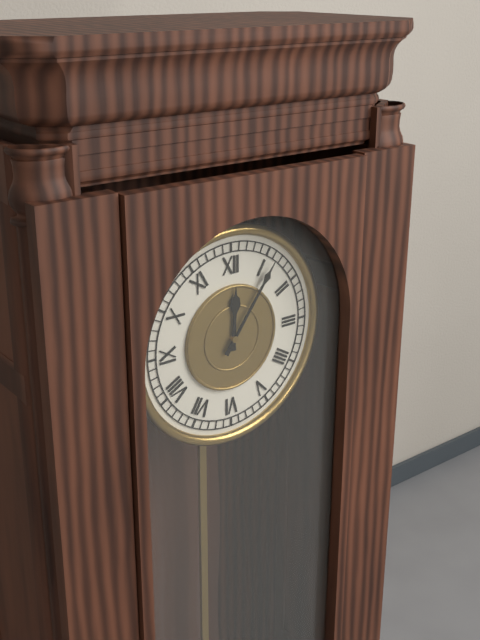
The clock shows 12:06
